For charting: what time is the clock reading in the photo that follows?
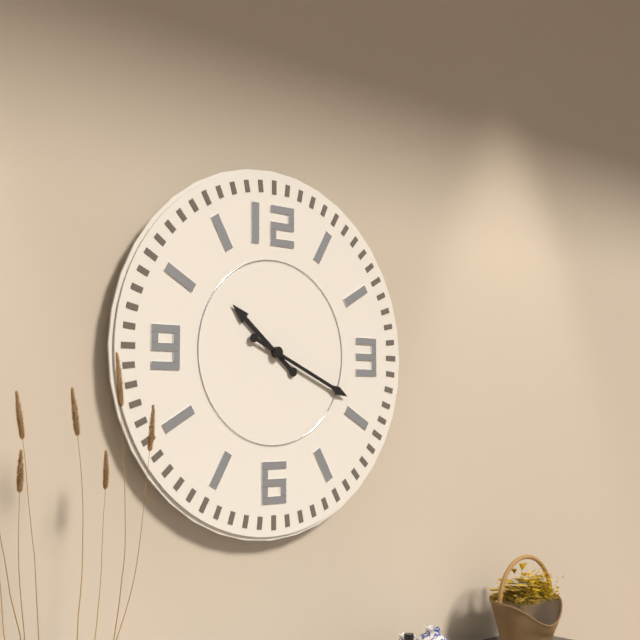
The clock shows 10:19
